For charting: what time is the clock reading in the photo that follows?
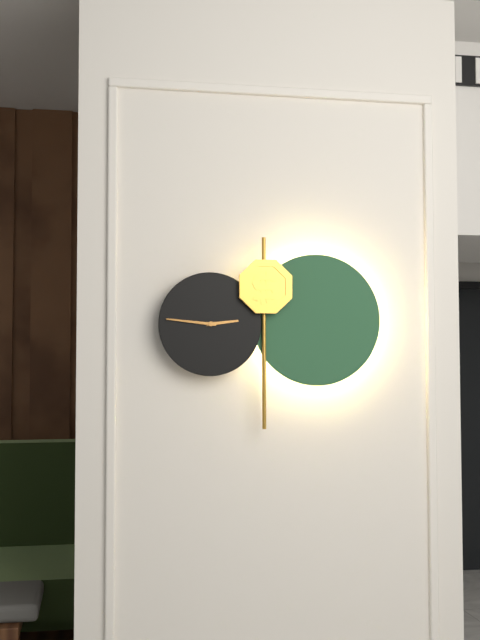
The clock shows 2:46
